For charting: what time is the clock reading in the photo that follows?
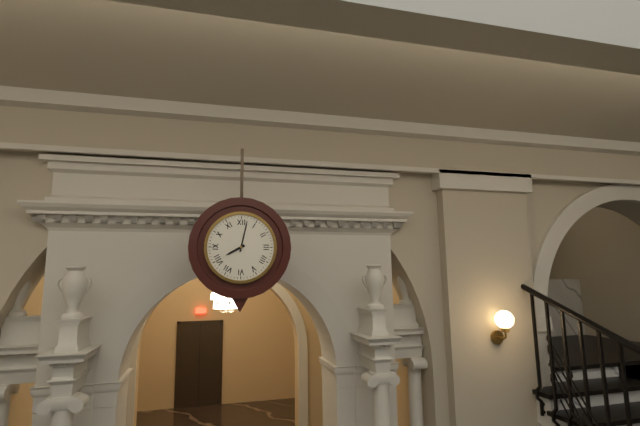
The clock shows 8:02
